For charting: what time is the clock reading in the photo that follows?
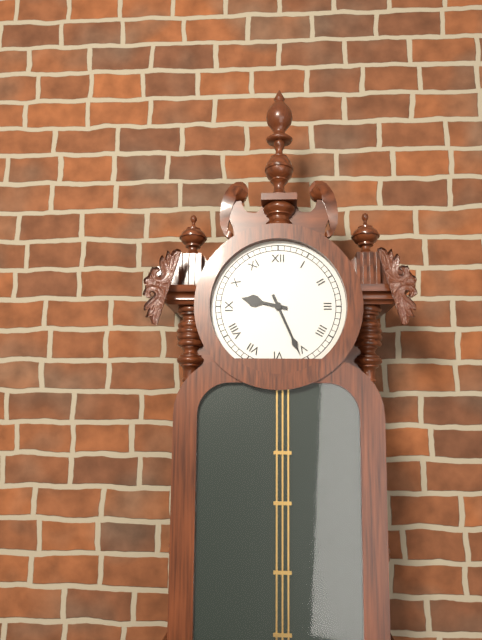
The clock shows 9:26
